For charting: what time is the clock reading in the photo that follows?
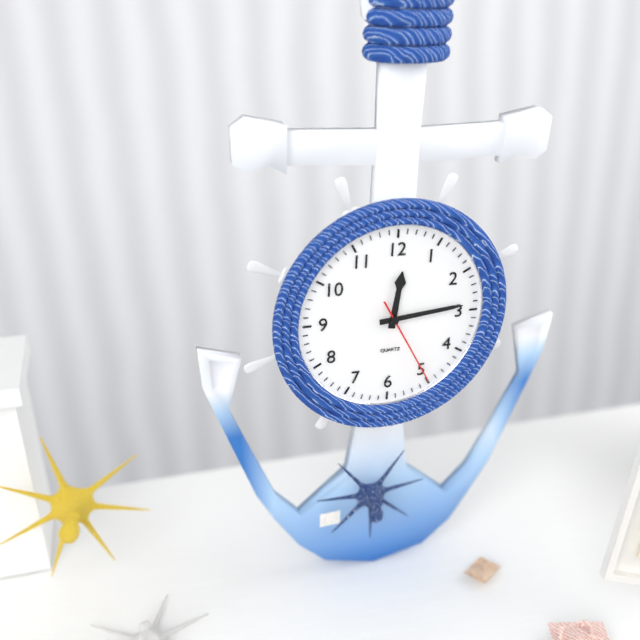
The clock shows 12:14:25
